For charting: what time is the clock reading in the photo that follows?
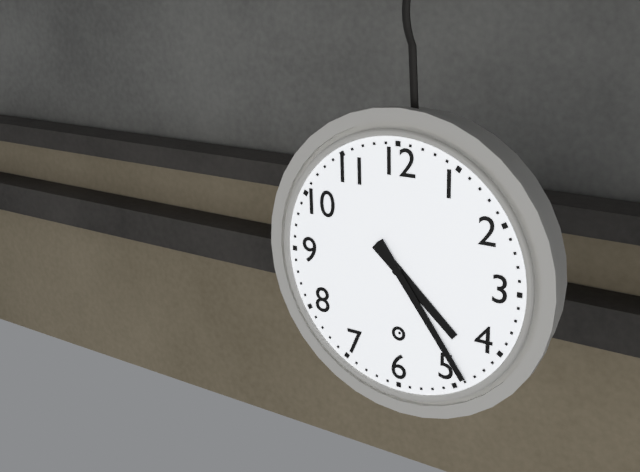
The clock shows 4:24
